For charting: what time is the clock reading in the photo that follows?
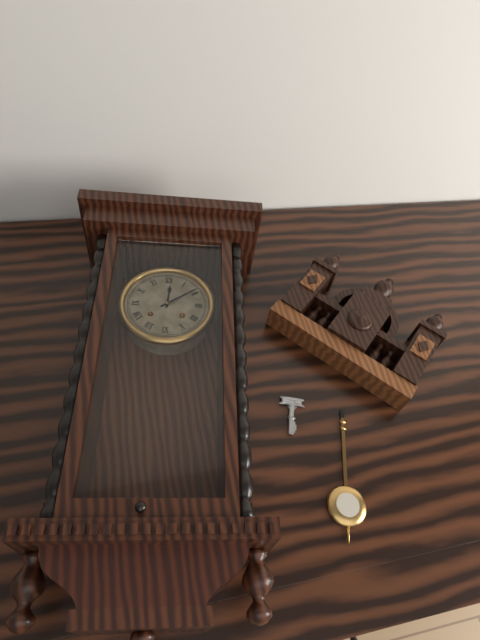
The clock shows 12:09
